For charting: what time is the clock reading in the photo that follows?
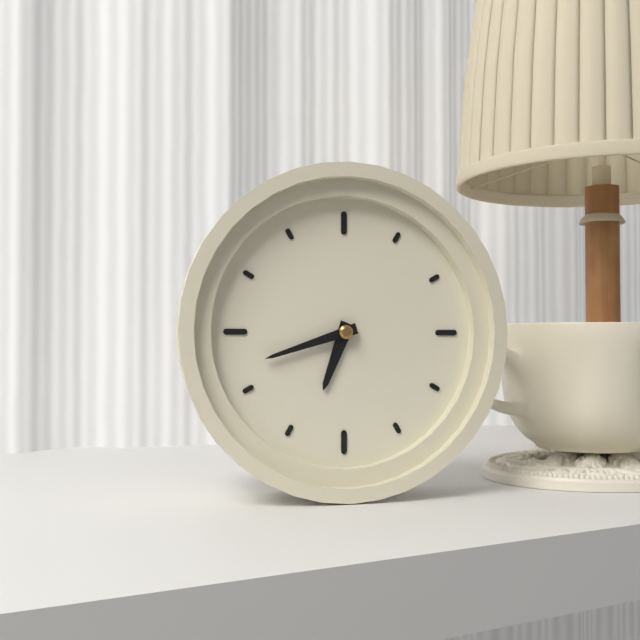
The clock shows 6:42
